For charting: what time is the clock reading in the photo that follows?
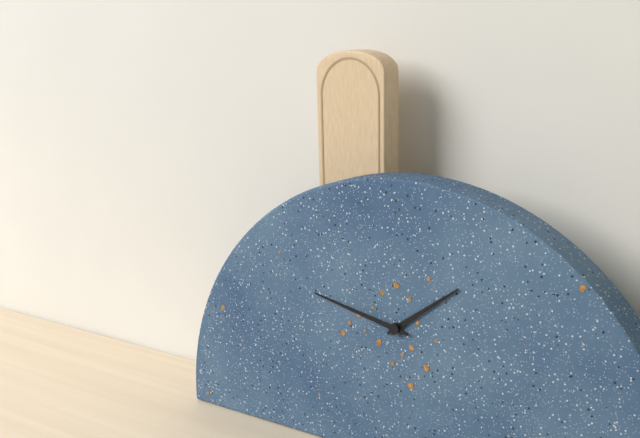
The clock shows 1:47
